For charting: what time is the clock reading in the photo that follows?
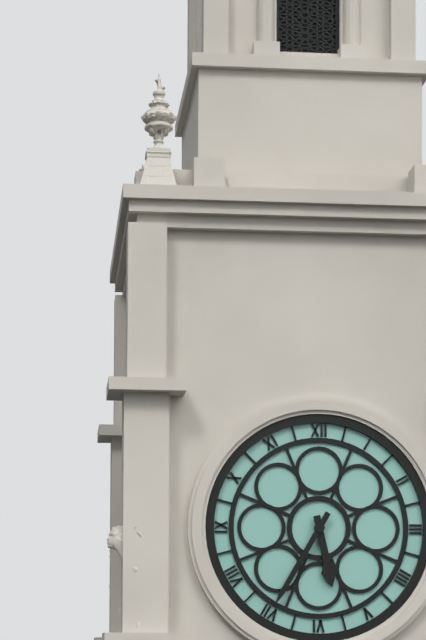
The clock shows 5:35
